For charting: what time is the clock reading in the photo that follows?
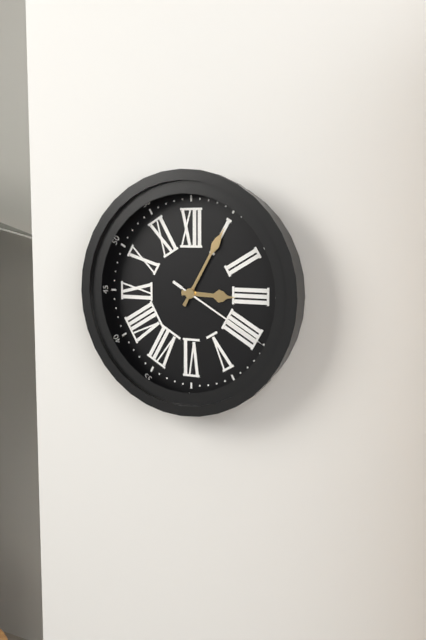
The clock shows 3:05:20
